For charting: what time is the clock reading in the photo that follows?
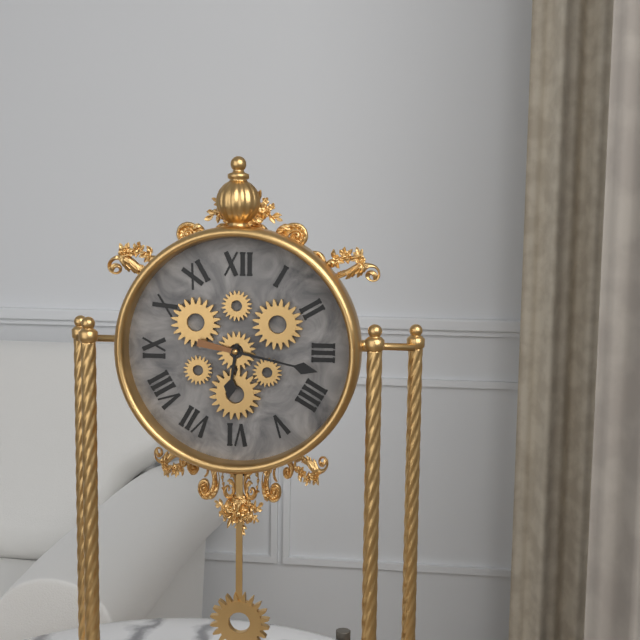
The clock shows 6:17
